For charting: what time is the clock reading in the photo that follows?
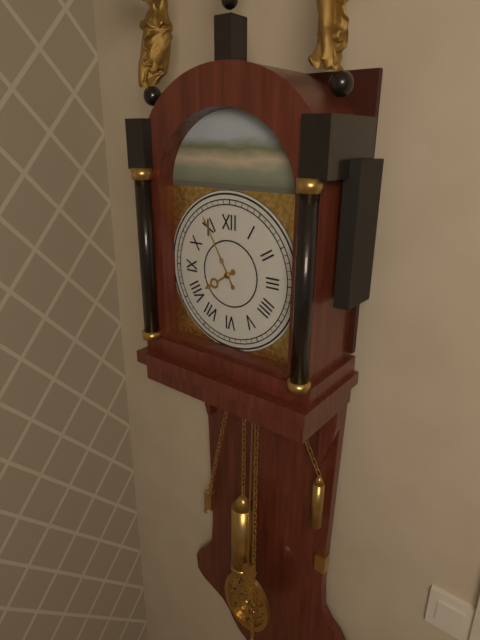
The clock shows 7:55
